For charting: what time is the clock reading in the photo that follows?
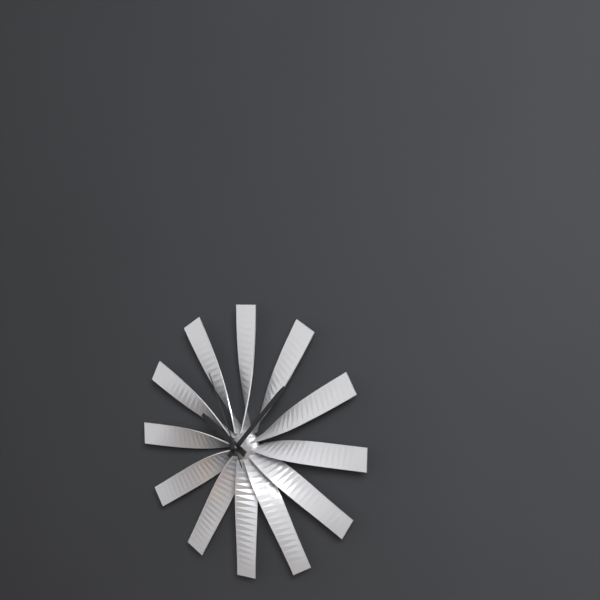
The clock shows 10:07:56
